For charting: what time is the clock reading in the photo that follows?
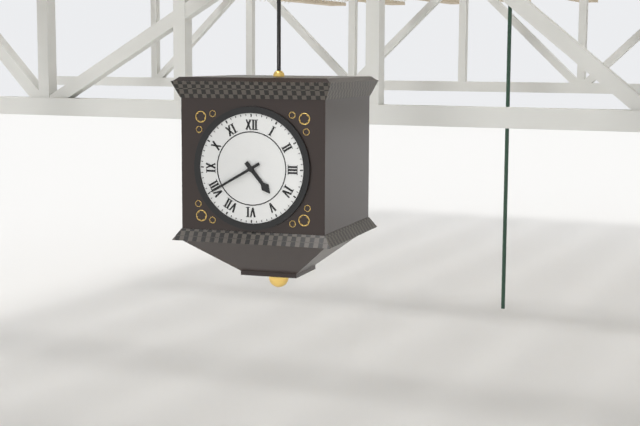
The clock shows 4:40
